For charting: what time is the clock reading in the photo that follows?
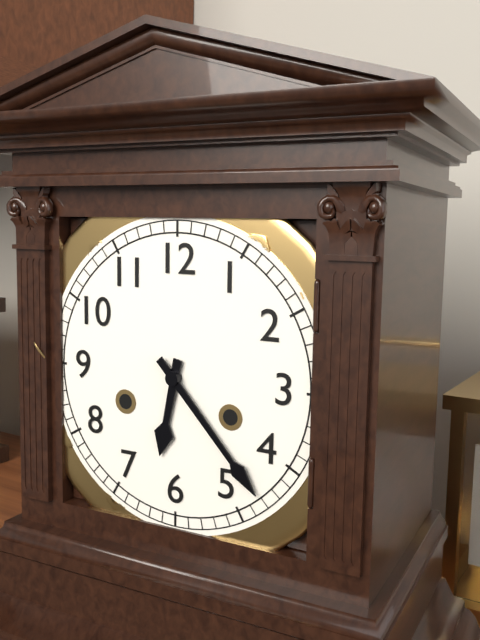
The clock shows 6:23
